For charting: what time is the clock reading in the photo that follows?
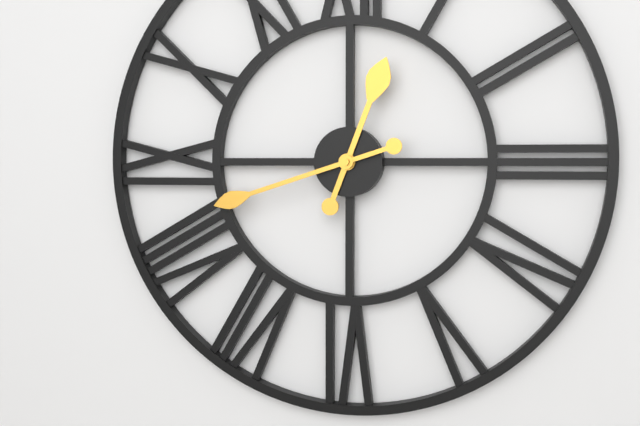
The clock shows 12:42
